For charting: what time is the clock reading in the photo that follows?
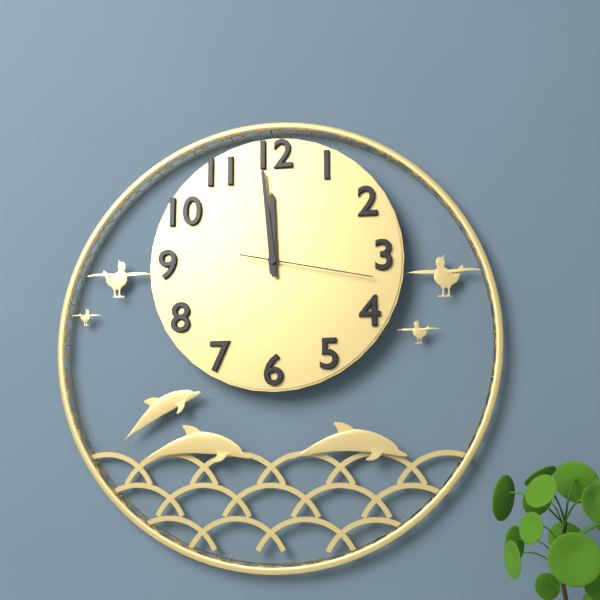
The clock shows 11:59:17
